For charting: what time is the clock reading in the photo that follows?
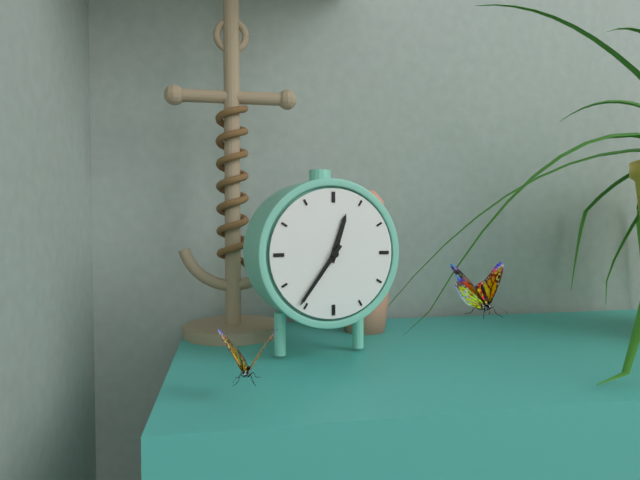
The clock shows 12:36
